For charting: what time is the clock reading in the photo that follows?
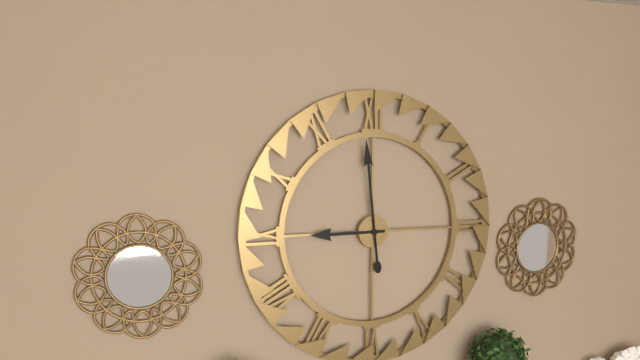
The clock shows 8:59
